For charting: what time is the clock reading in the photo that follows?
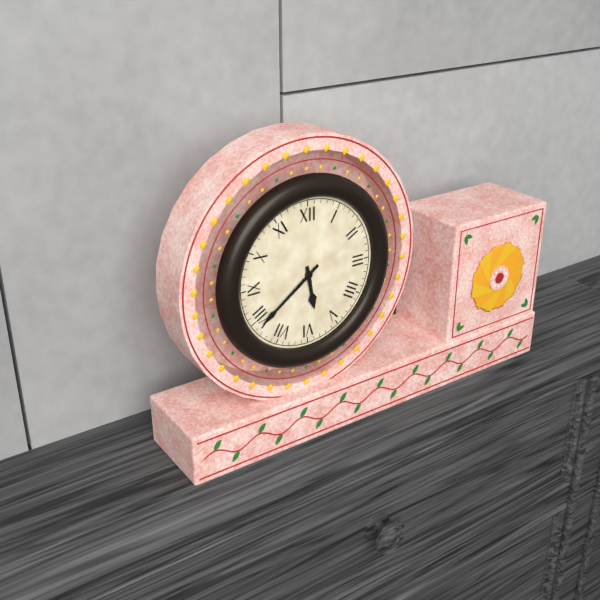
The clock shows 5:39
